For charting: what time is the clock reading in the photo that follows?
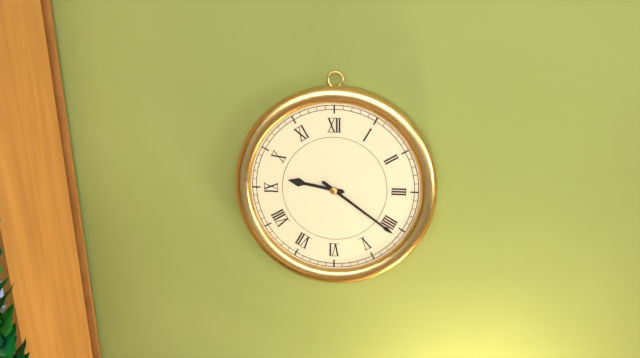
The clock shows 9:21
